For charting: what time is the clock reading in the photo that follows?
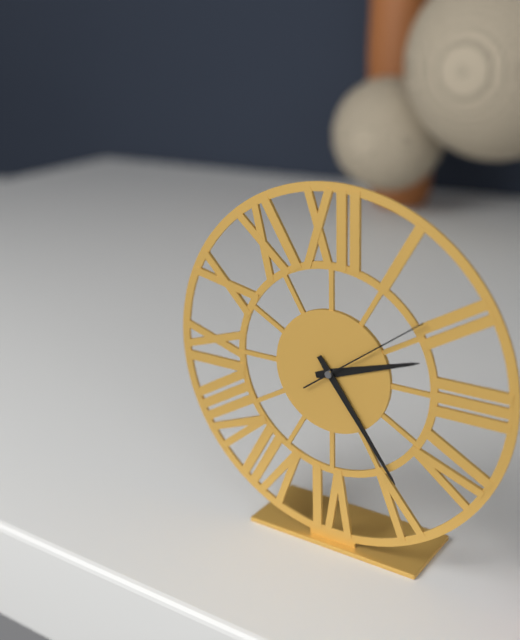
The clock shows 2:24:09
